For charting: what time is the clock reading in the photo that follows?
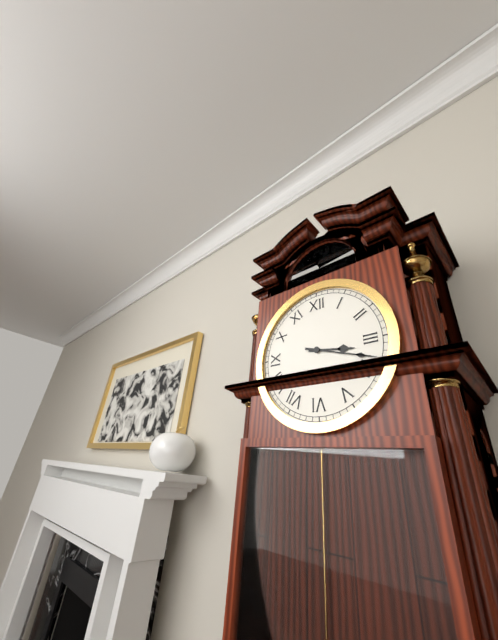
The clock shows 3:18
